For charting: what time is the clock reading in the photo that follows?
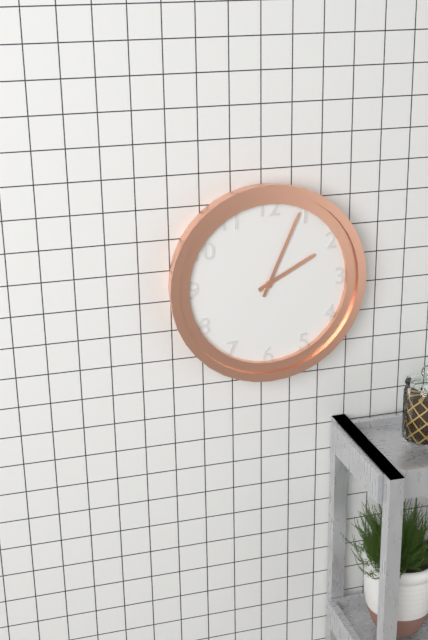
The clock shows 2:04
